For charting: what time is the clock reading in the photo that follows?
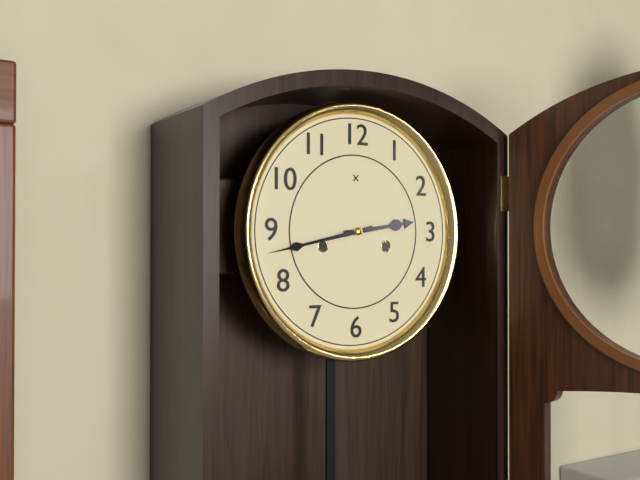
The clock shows 2:43
